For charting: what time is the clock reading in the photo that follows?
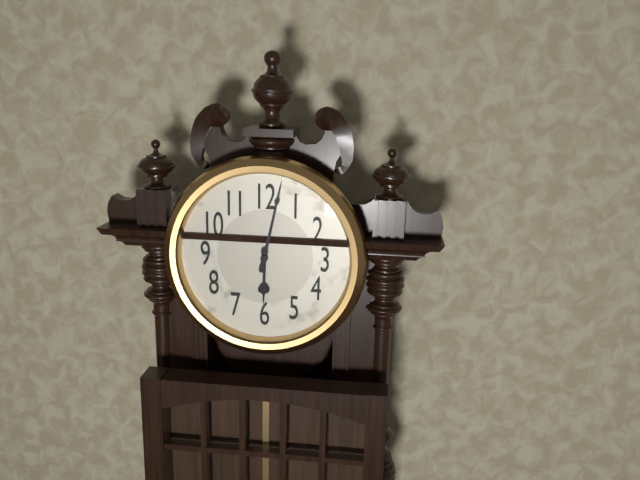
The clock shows 6:02
